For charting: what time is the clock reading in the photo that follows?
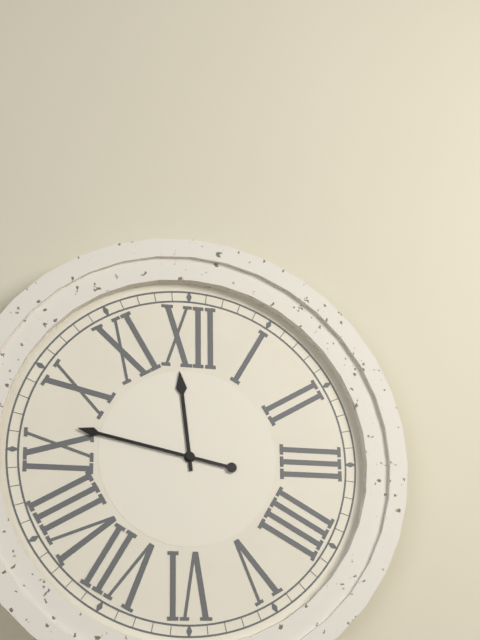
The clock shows 11:47
